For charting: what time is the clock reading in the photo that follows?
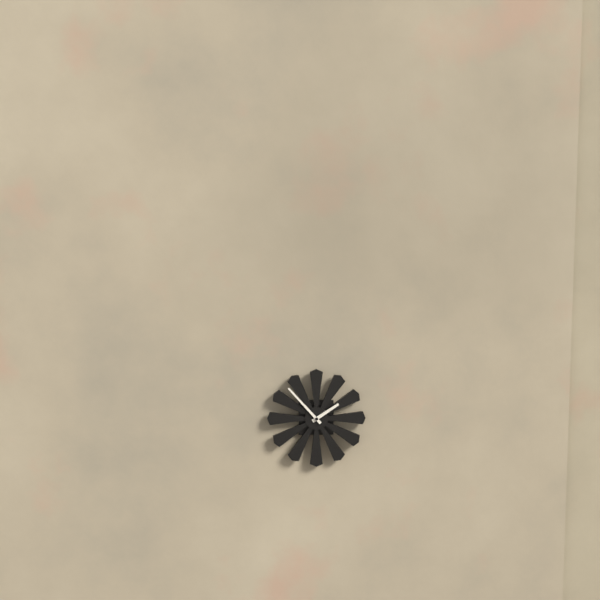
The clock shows 1:53
